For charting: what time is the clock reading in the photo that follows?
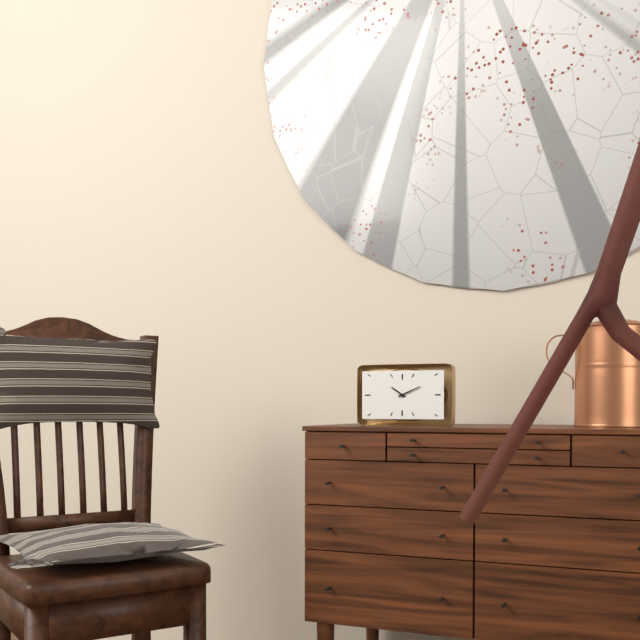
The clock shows 10:11
